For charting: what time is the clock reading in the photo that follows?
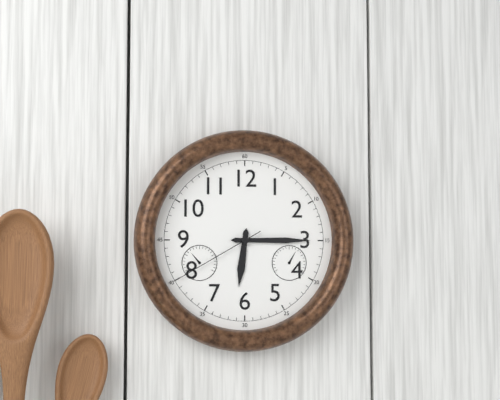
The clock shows 6:15:40
